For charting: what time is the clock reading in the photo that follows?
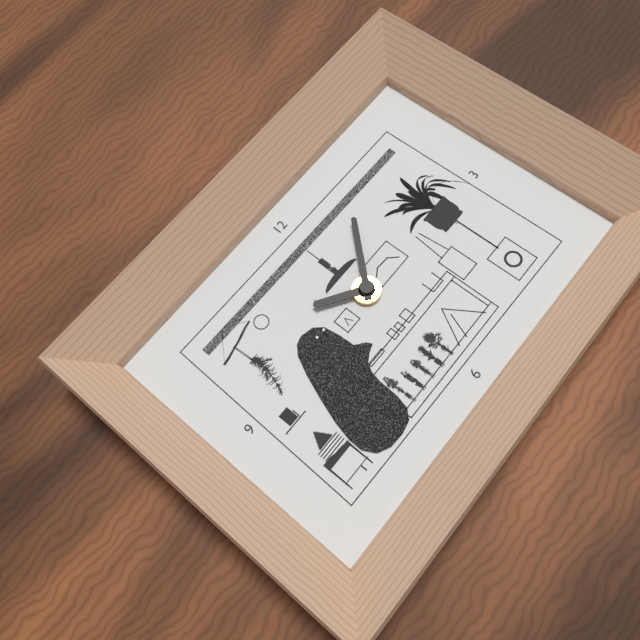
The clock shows 10:07
